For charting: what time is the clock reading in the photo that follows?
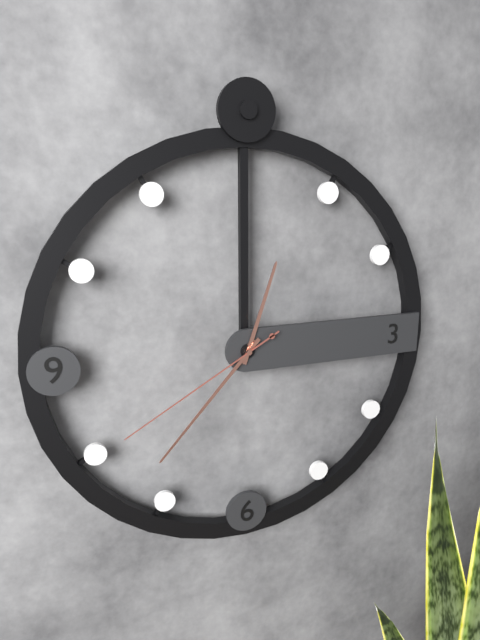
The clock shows 12:37:40
